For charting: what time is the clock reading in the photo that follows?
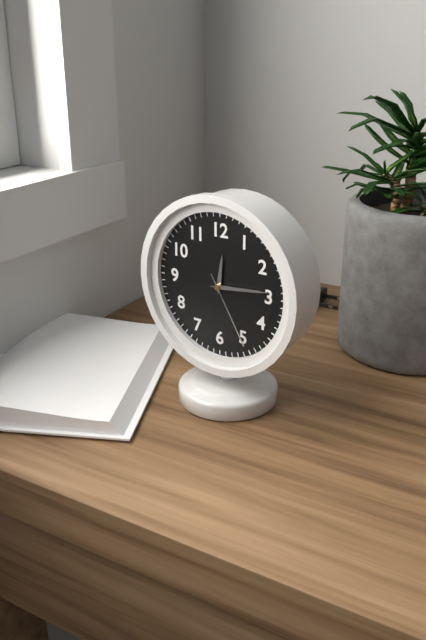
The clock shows 12:14:25
